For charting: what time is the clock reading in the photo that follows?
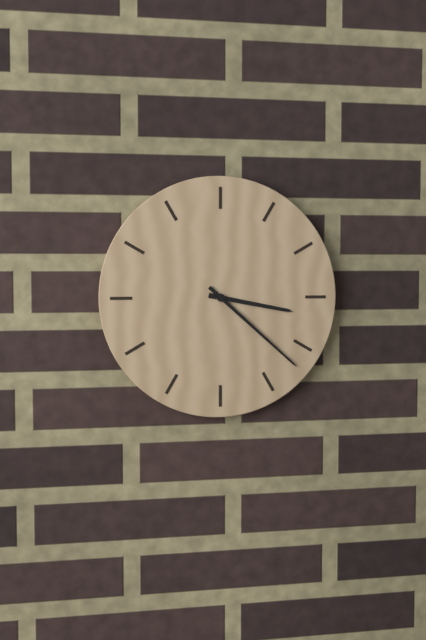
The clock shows 3:22
